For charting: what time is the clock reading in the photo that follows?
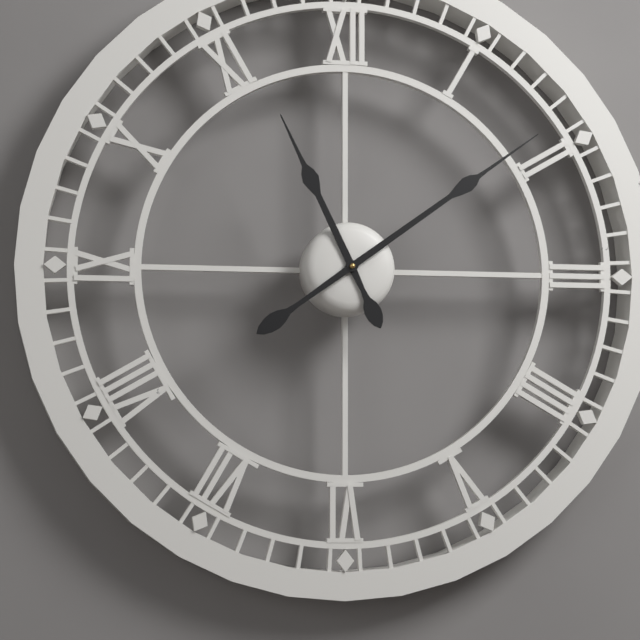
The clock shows 11:09
